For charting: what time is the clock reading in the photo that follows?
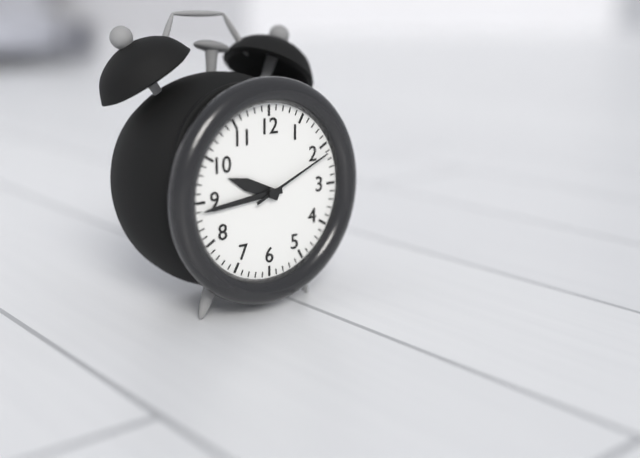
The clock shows 9:44:11
